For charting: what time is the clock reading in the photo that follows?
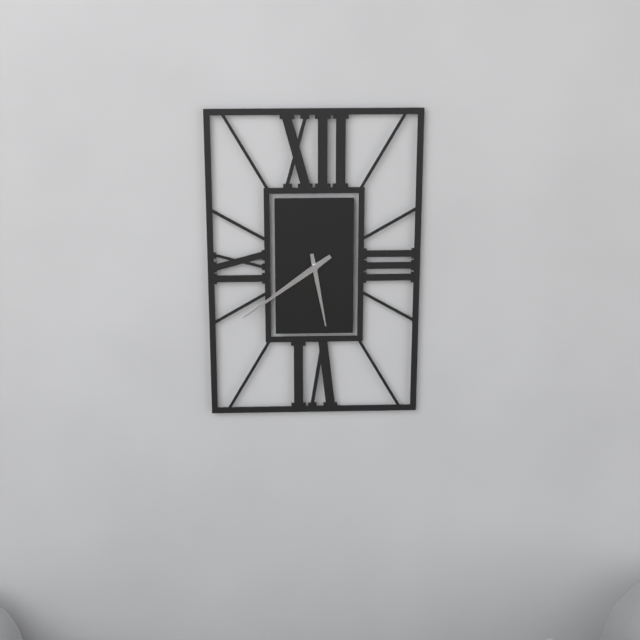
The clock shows 5:39
